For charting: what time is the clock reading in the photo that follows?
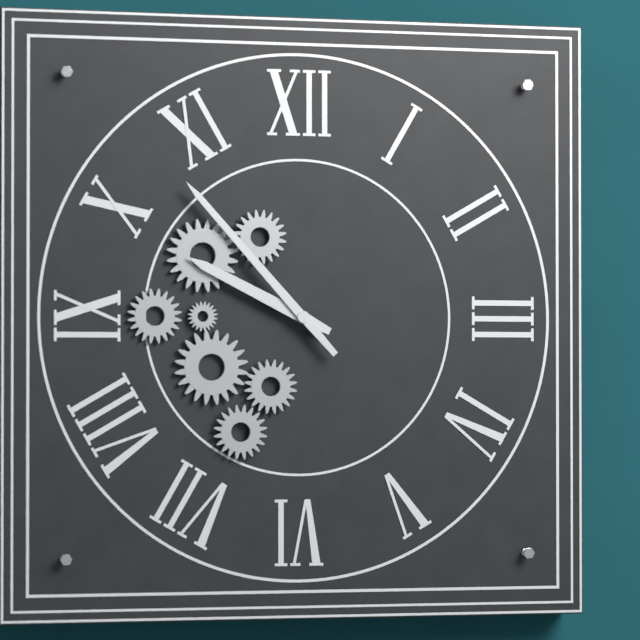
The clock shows 9:53
